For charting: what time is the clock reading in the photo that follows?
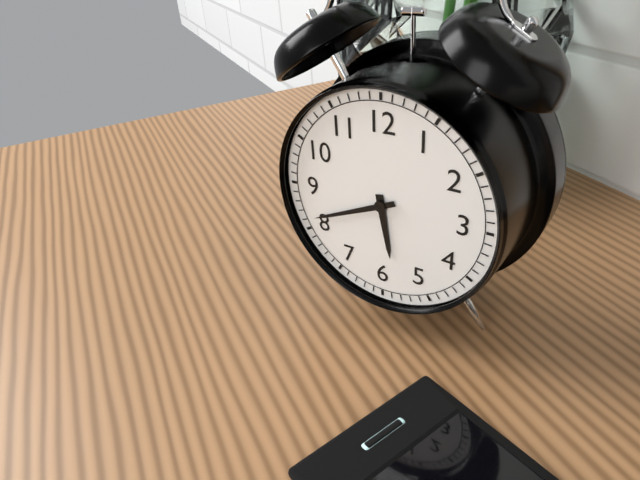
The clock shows 5:41
